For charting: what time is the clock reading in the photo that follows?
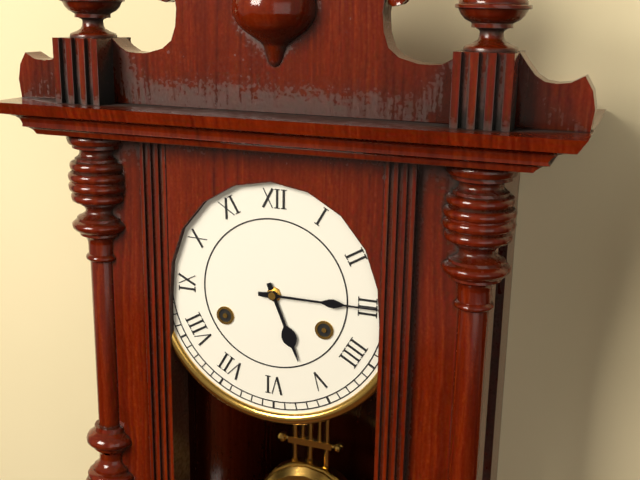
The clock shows 5:15
